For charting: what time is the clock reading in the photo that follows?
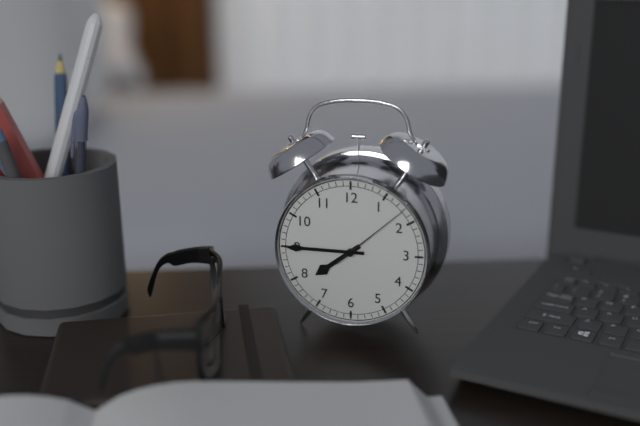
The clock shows 7:45:08
